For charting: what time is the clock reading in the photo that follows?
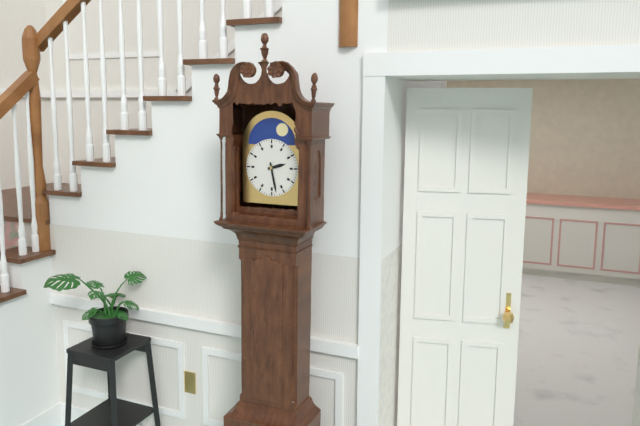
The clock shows 2:28
